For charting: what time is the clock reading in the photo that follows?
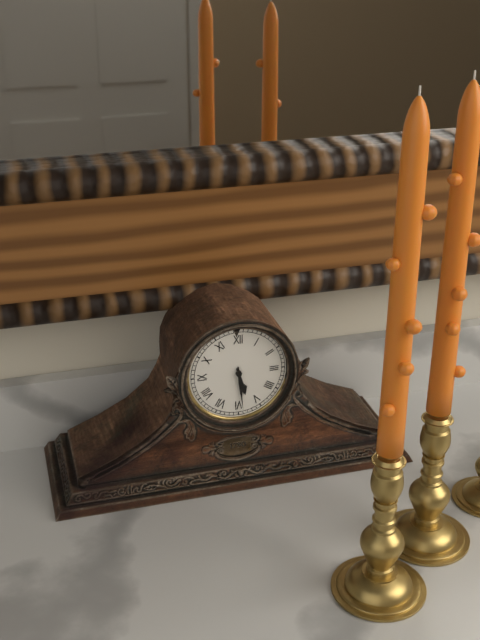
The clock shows 5:29
